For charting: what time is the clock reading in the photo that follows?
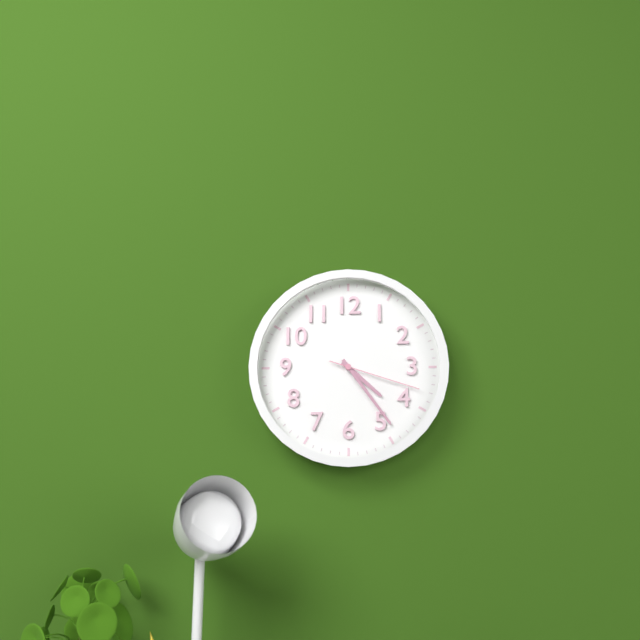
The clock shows 4:24:18
